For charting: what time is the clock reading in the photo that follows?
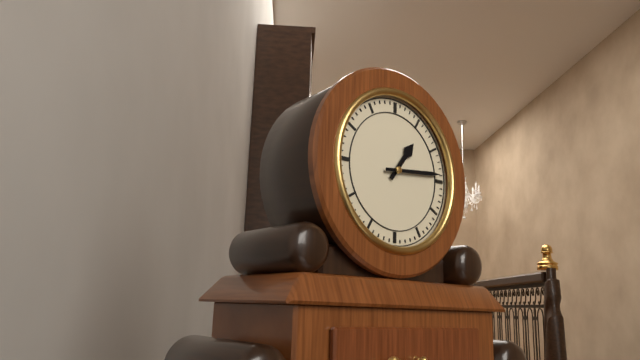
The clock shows 1:14
